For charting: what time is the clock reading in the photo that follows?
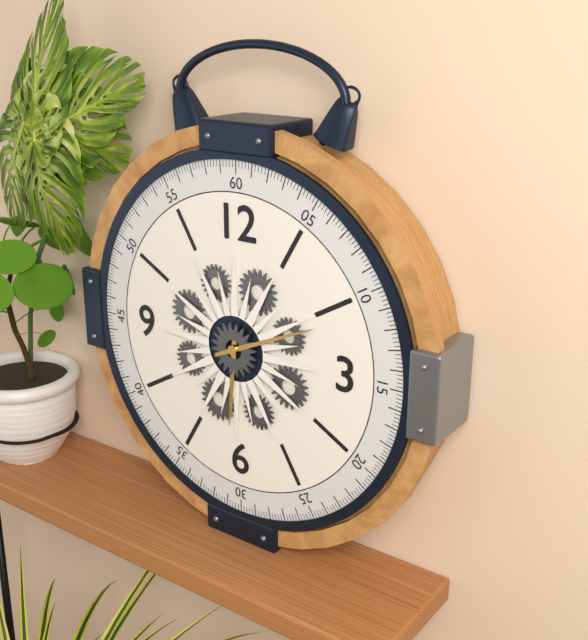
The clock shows 6:11
